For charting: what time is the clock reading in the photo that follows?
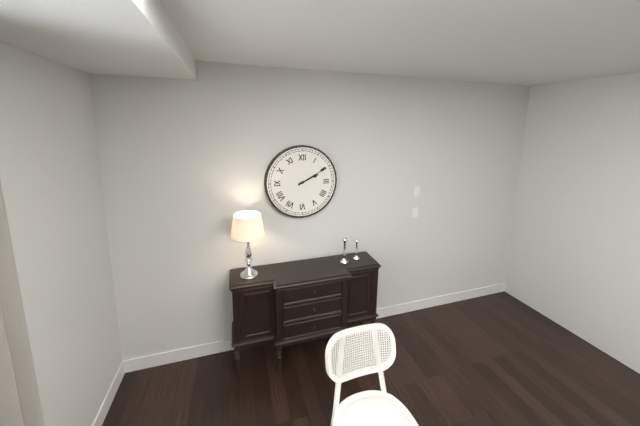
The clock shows 2:10
